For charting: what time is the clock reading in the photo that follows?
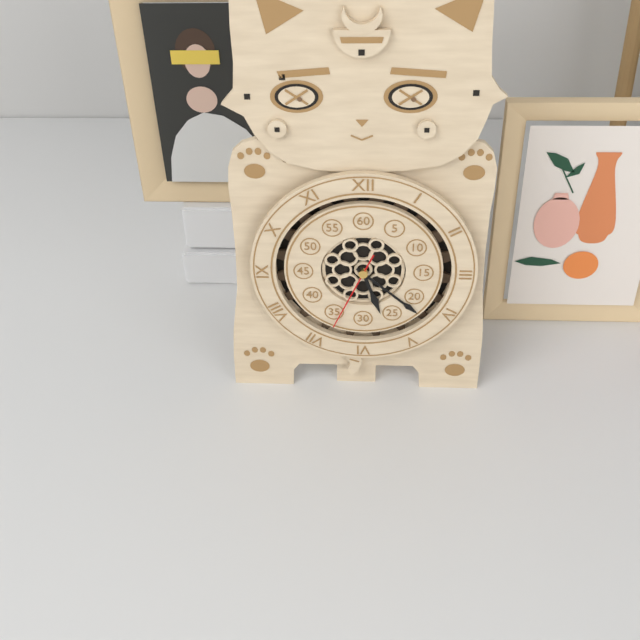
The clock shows 5:22:34
